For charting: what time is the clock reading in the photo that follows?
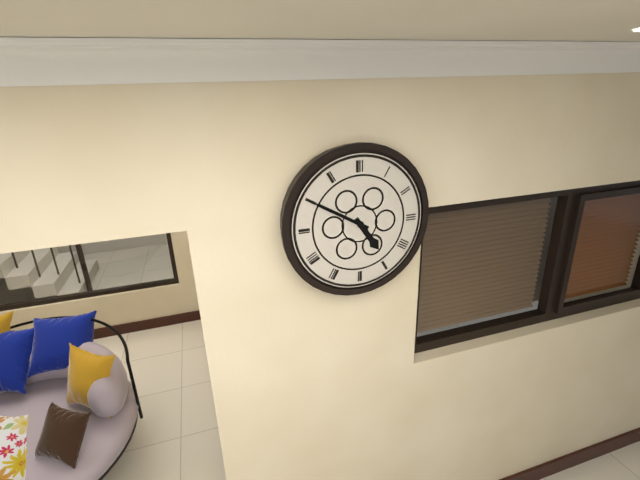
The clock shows 4:50
